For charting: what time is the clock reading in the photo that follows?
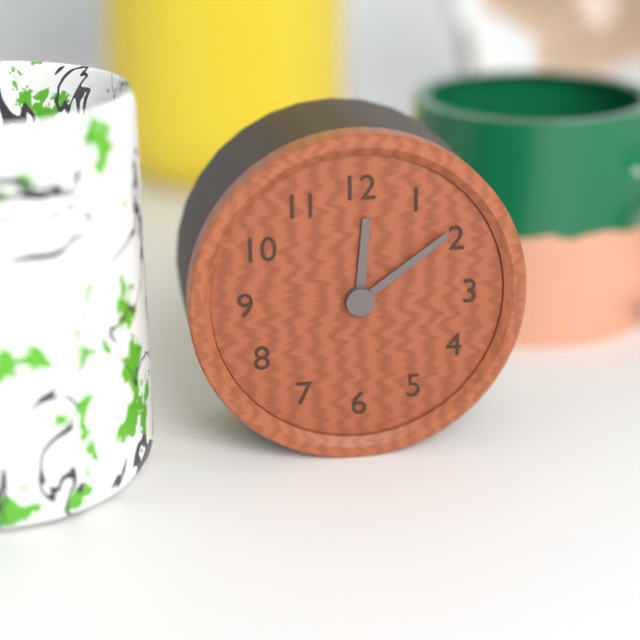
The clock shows 12:09
